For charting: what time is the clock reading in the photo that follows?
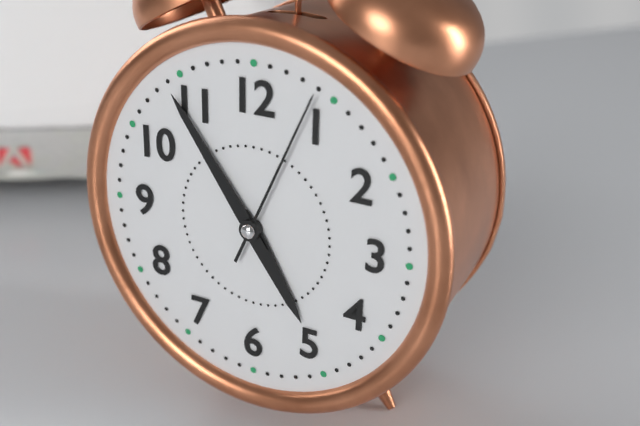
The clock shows 4:54:04
